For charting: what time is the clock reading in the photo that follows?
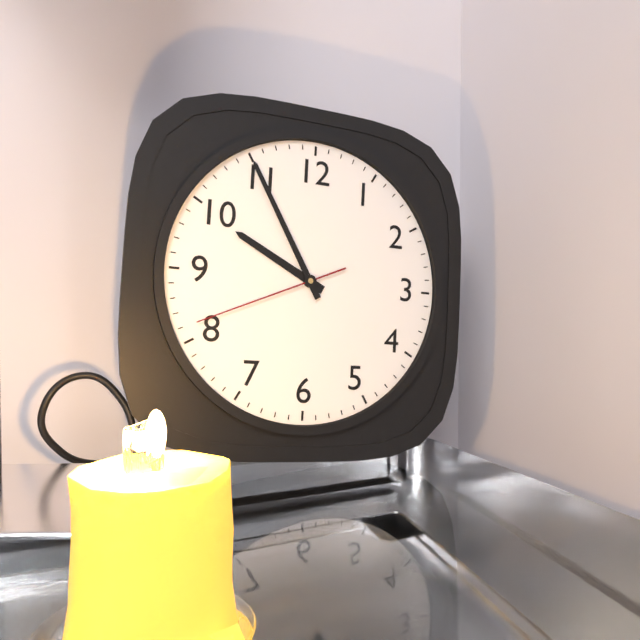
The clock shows 9:55:41
